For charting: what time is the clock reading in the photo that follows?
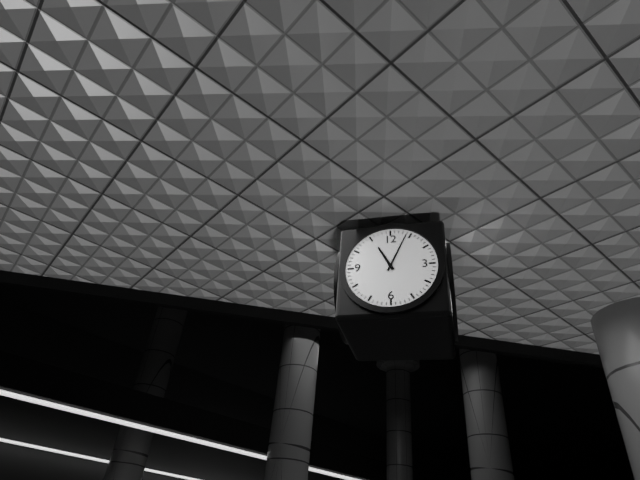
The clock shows 11:04
